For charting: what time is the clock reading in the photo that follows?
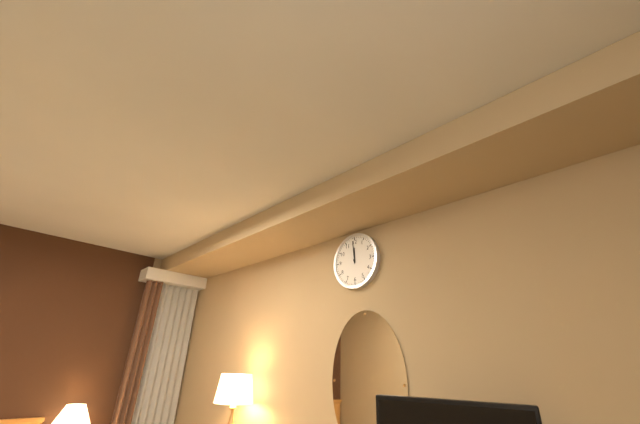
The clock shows 11:59
